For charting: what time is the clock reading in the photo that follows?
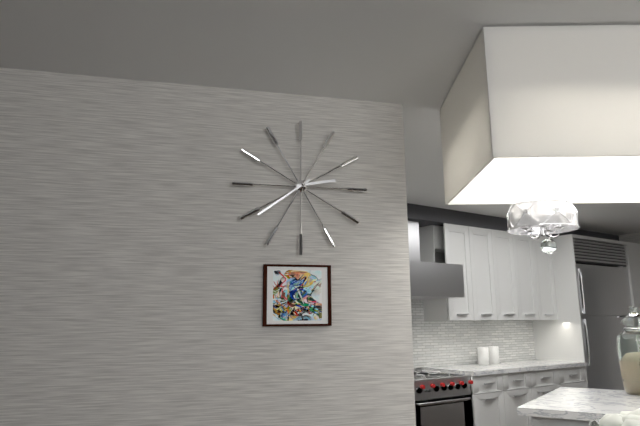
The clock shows 2:39
